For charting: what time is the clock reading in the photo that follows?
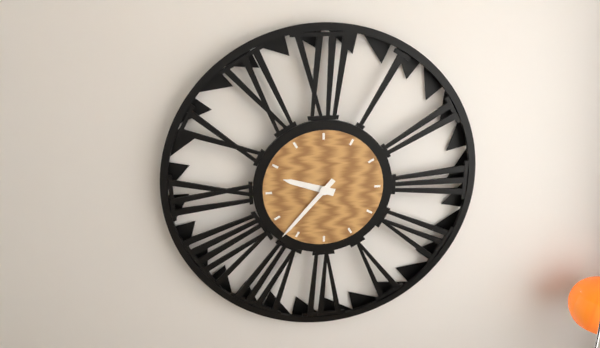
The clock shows 9:37
